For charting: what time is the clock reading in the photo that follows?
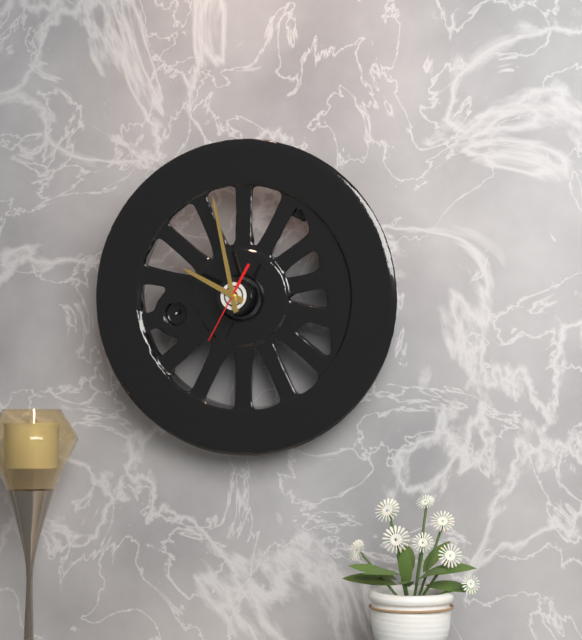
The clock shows 9:58:35
